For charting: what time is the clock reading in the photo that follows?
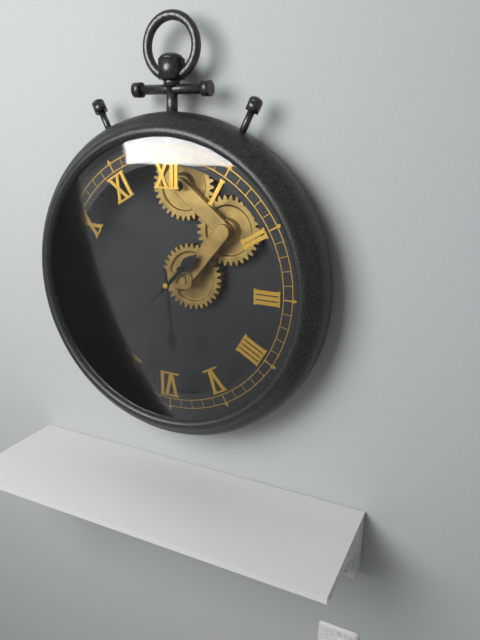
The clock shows 1:29:37
